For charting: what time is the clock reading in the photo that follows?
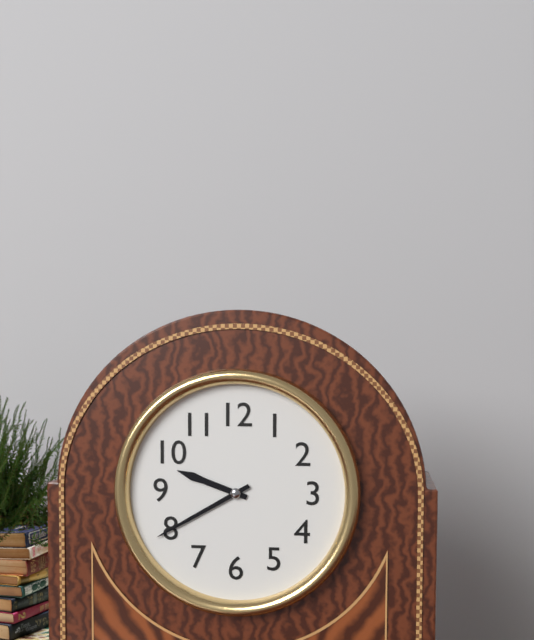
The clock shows 9:40
